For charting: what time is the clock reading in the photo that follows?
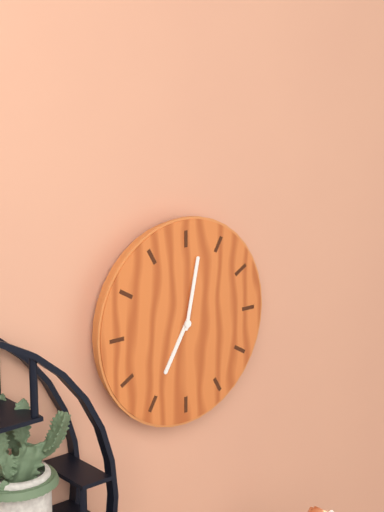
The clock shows 7:02
